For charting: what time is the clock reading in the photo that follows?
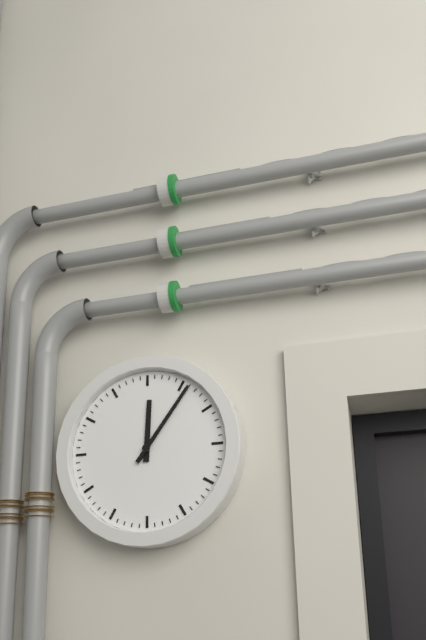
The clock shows 12:06
